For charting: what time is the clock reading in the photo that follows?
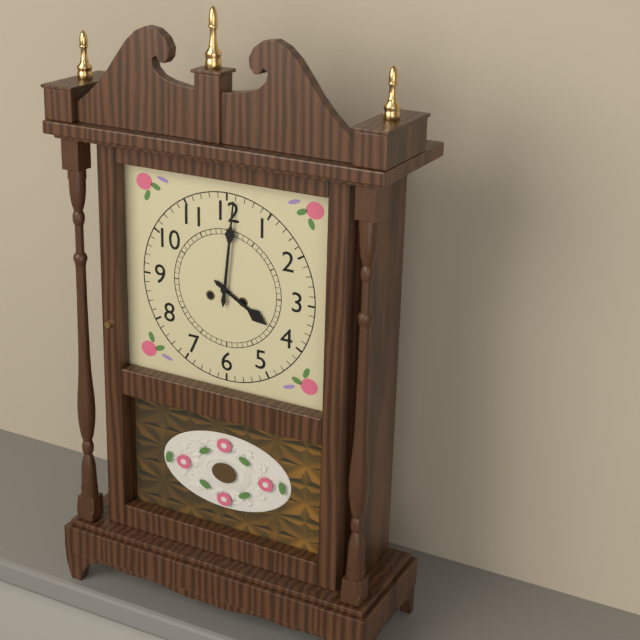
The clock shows 4:01
